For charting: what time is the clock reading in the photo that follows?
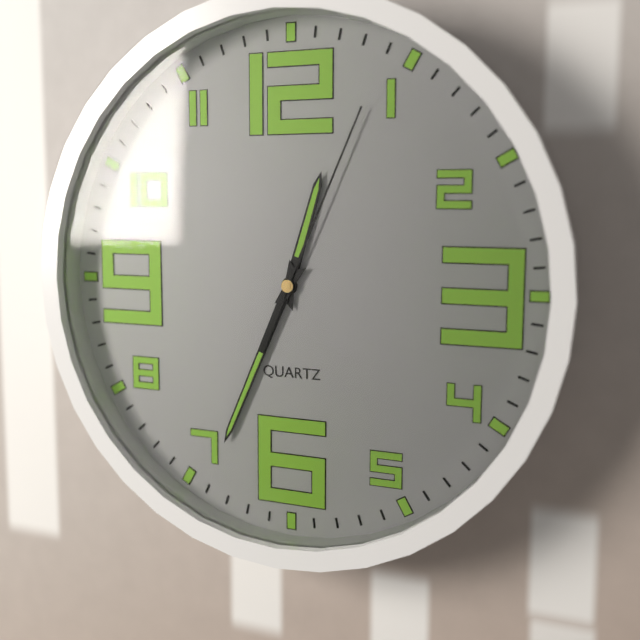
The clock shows 12:34:04
